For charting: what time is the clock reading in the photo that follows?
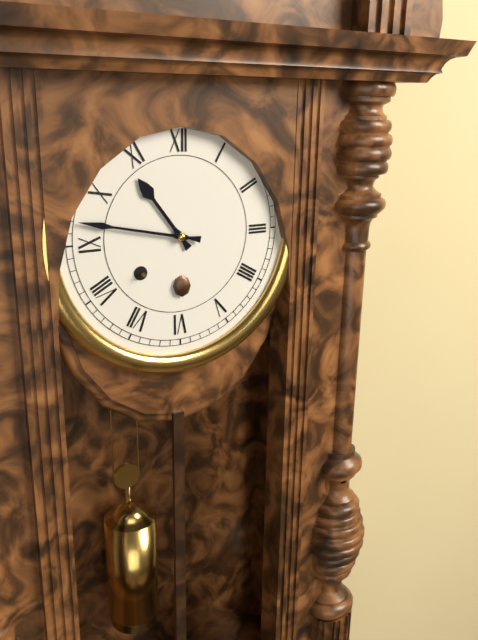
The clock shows 10:47
